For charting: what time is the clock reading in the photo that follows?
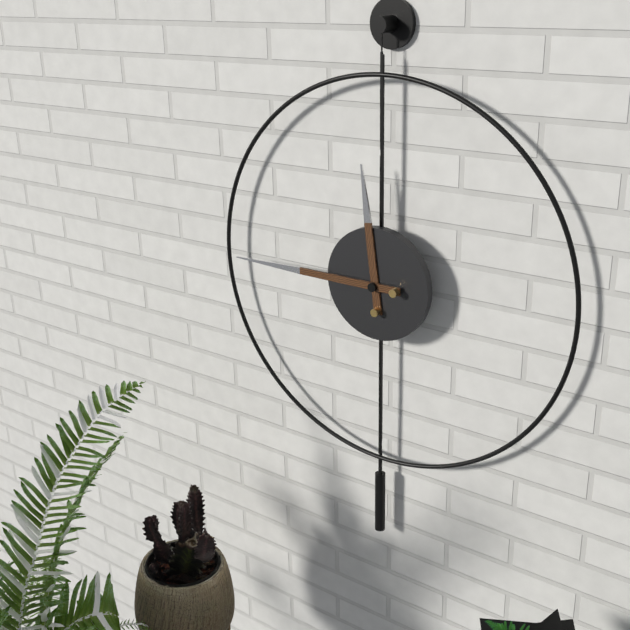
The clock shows 11:45
